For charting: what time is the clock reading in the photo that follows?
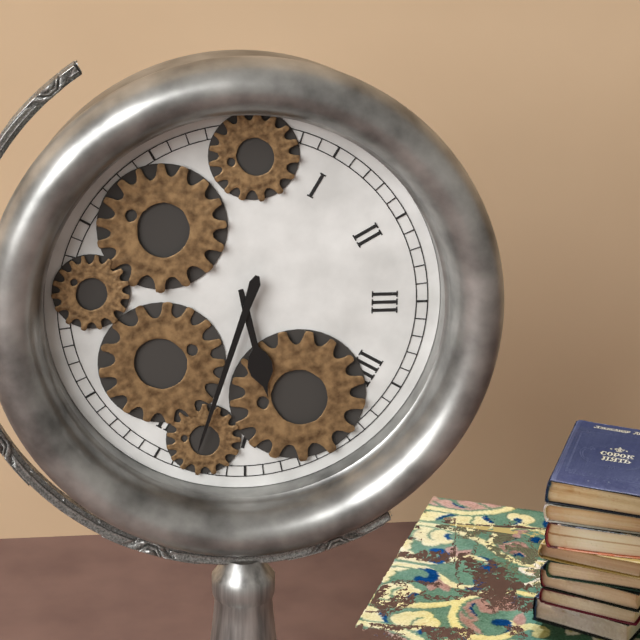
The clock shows 5:33
